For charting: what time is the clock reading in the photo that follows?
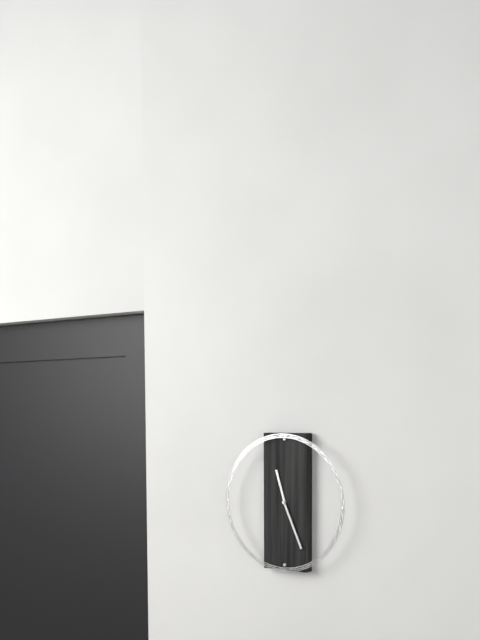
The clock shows 11:26
